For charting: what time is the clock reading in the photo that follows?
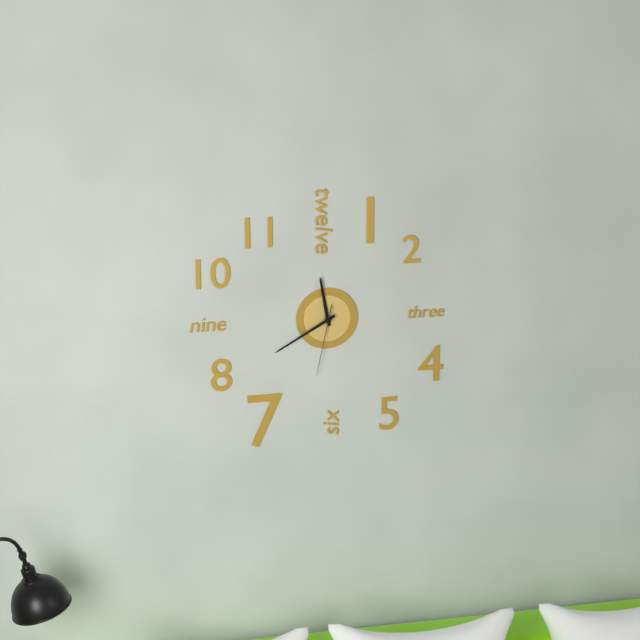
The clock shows 11:40:32
